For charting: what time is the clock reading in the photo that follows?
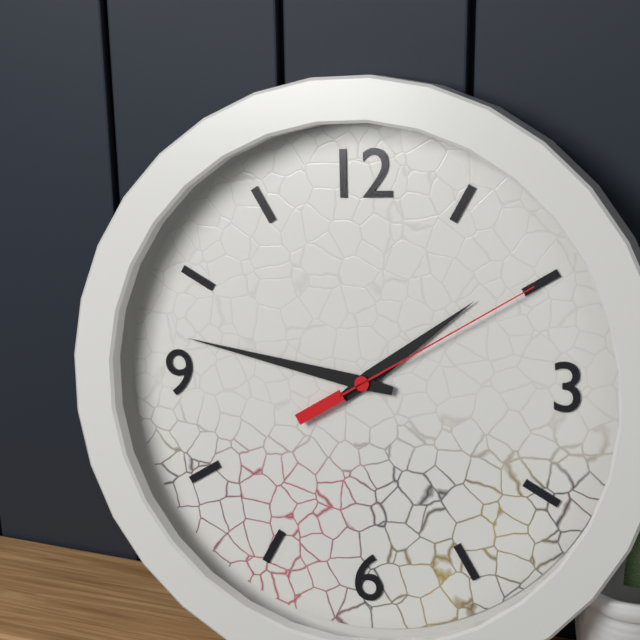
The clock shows 1:47:10
